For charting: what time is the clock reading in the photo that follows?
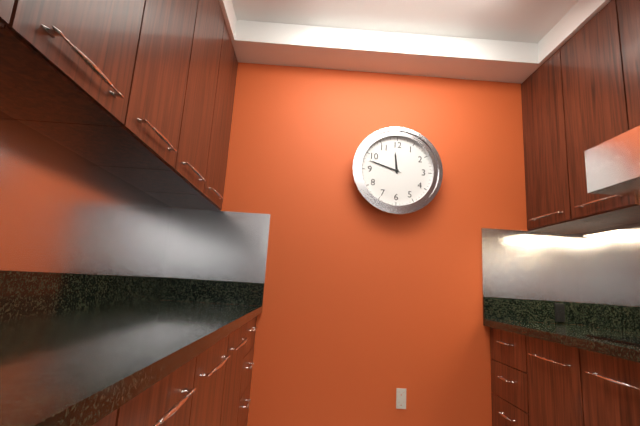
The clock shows 11:48
